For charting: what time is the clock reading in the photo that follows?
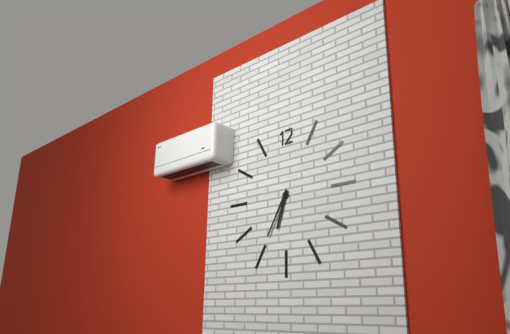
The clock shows 6:35
